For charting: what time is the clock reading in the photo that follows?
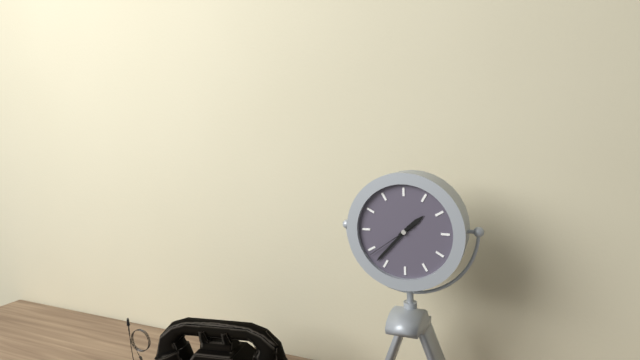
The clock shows 1:37:39
